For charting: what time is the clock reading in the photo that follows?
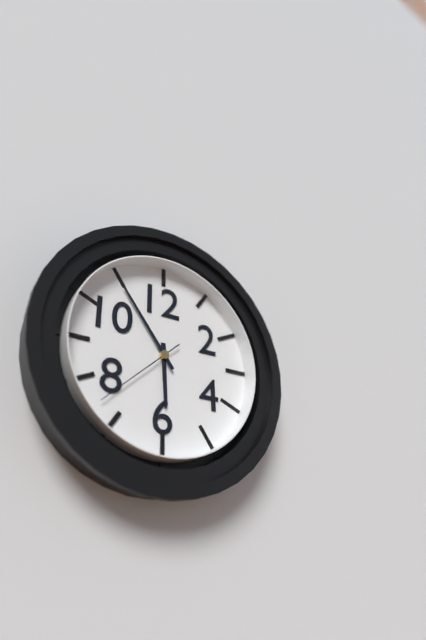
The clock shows 5:54:38
